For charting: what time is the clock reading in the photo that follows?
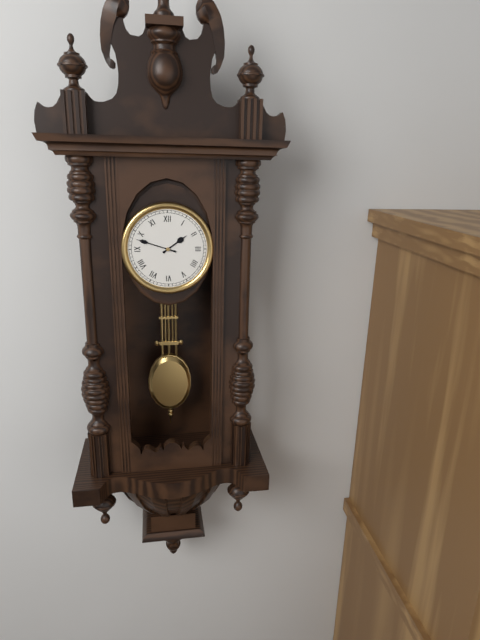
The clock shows 1:48
